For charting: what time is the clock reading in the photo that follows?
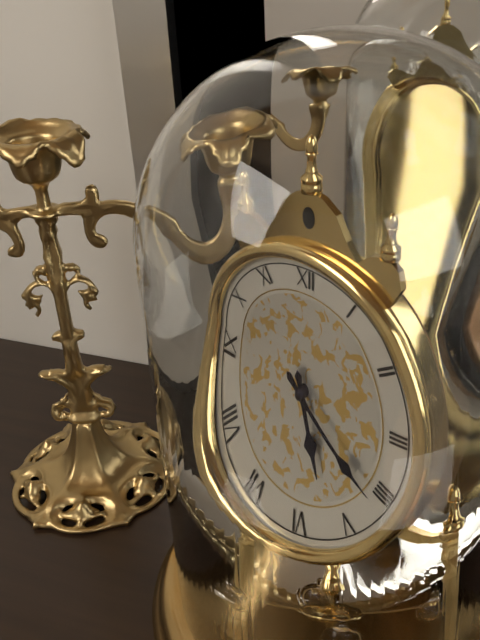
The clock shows 5:21
